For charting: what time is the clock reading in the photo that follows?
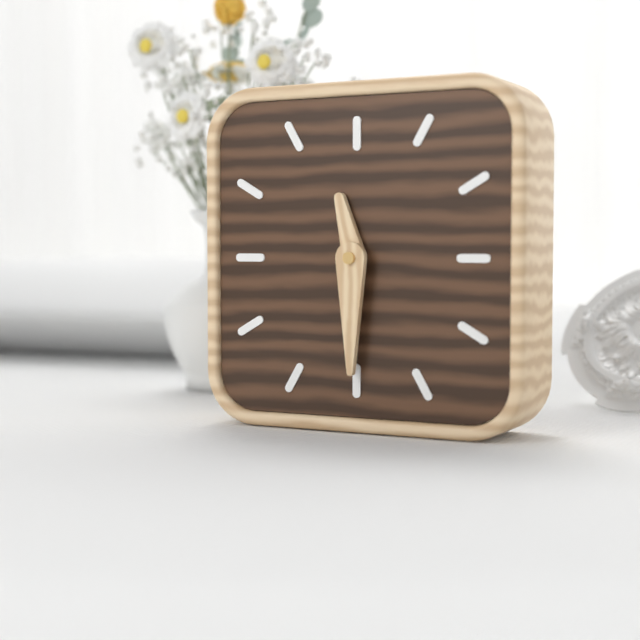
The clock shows 11:30
